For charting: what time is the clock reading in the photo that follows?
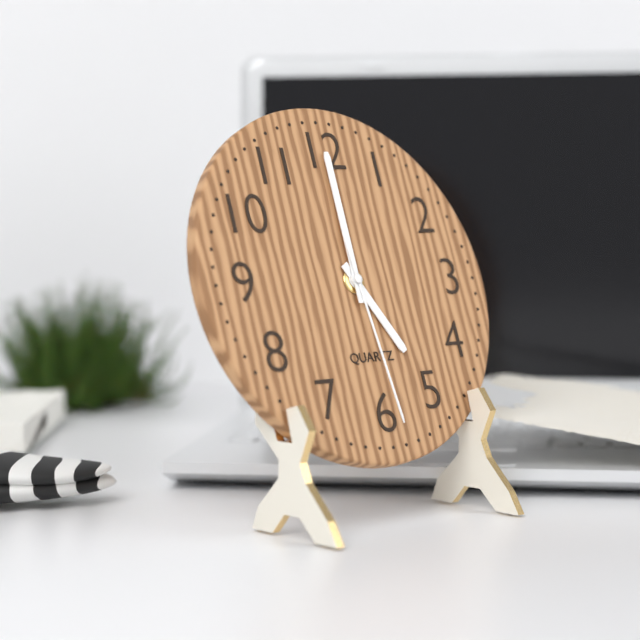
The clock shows 5:00:29
